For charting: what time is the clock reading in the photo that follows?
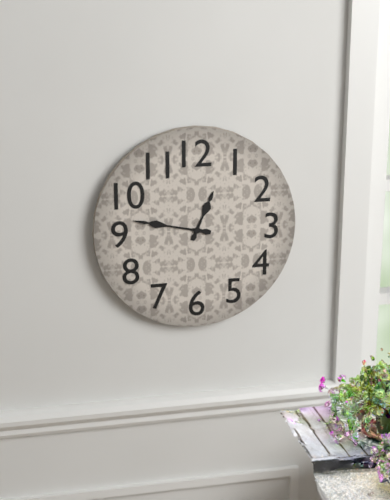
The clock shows 12:47
